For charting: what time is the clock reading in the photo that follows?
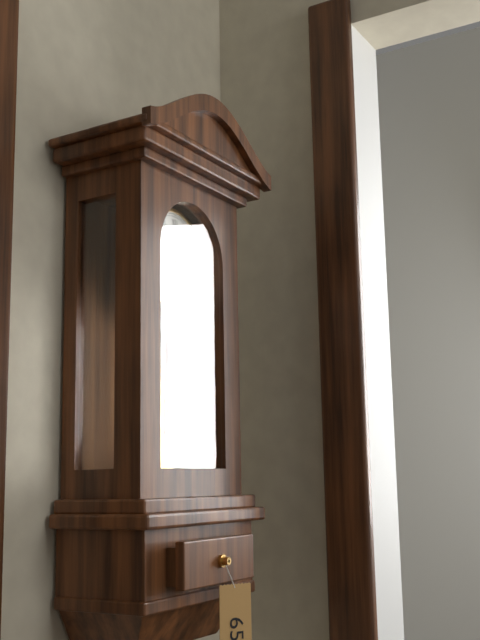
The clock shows 12:19
